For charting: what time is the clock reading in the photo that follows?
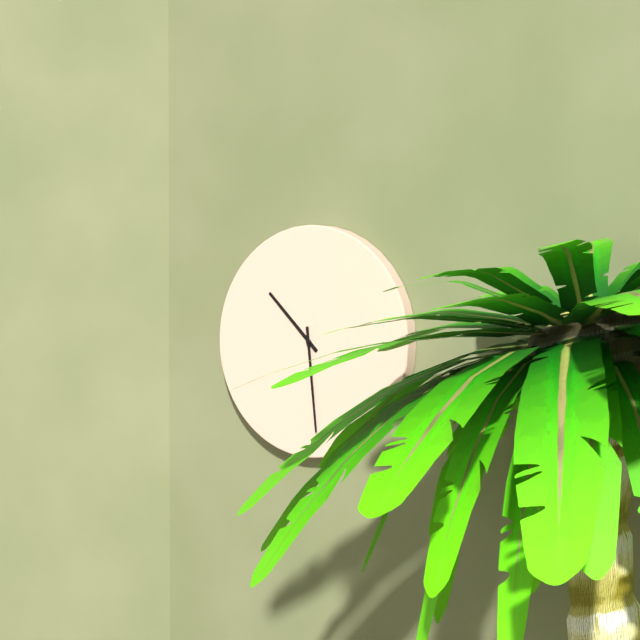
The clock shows 10:29
